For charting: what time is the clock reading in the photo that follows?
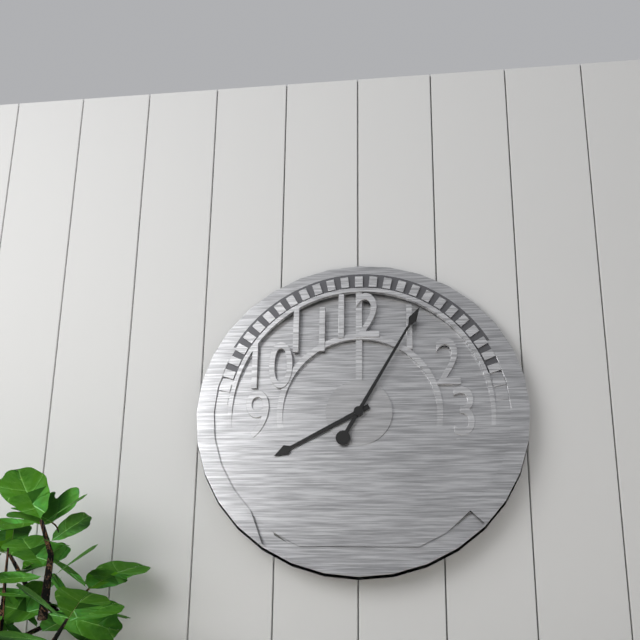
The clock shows 8:05
